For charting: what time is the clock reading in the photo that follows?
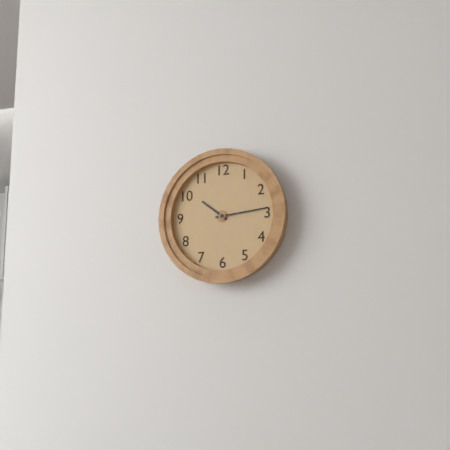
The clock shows 10:14
